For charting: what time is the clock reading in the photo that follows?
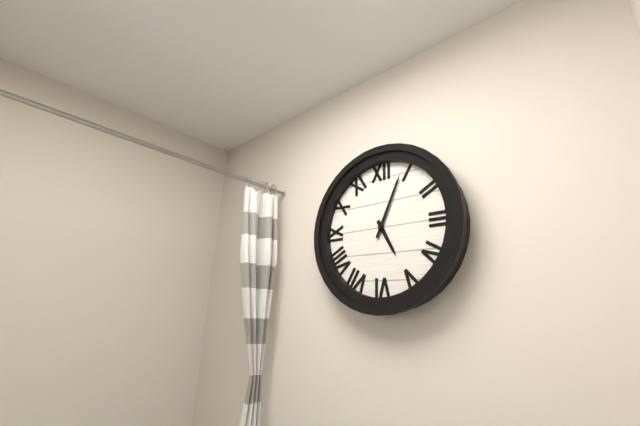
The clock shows 5:04
